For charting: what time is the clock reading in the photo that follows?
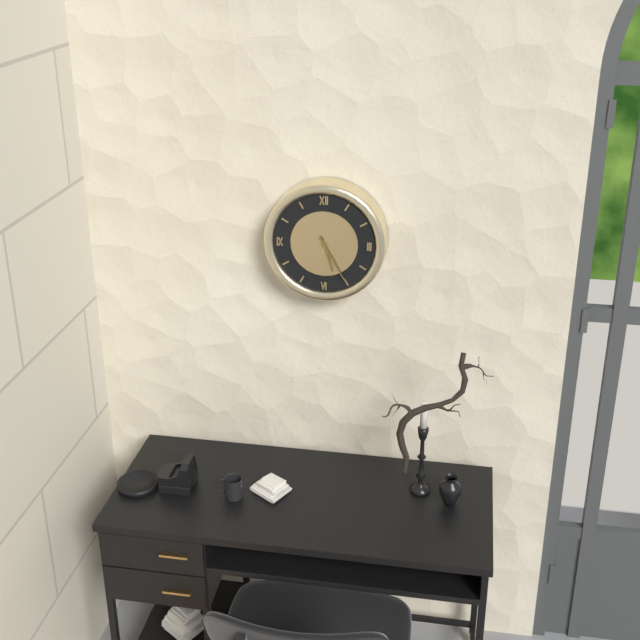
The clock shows 5:25
